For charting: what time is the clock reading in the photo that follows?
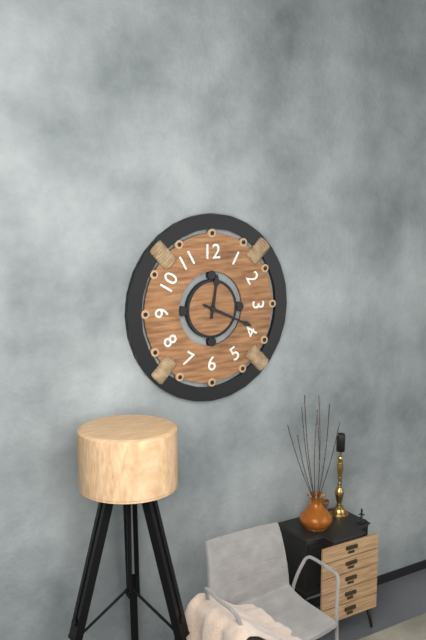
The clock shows 12:19
